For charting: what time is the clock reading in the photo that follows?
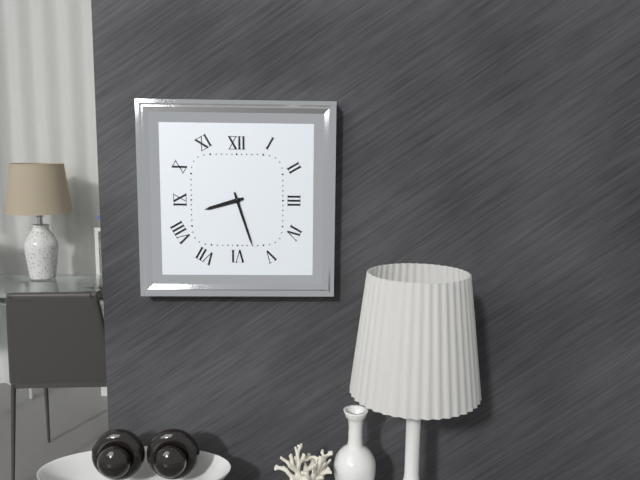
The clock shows 8:27
